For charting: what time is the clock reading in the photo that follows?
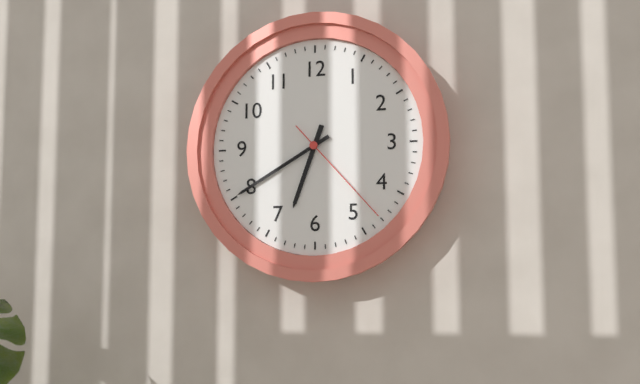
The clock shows 6:40:23
